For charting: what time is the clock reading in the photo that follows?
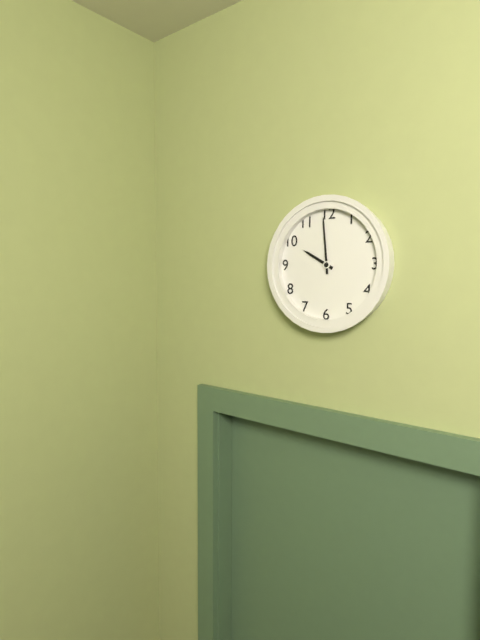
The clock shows 9:59
